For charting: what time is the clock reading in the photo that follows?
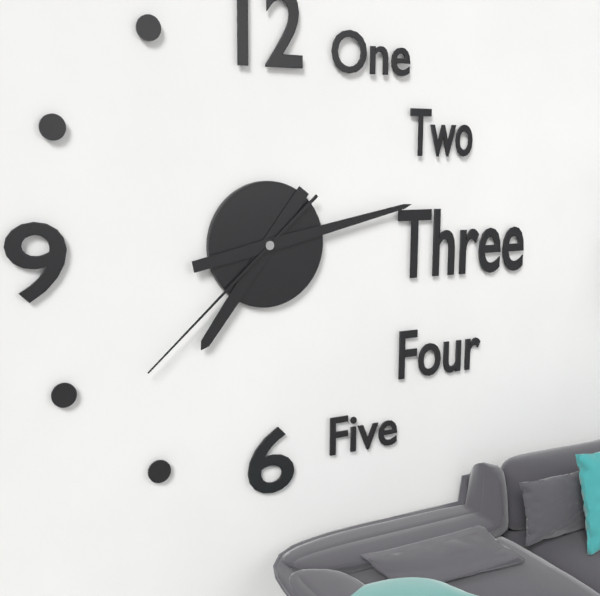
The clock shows 7:13:38
